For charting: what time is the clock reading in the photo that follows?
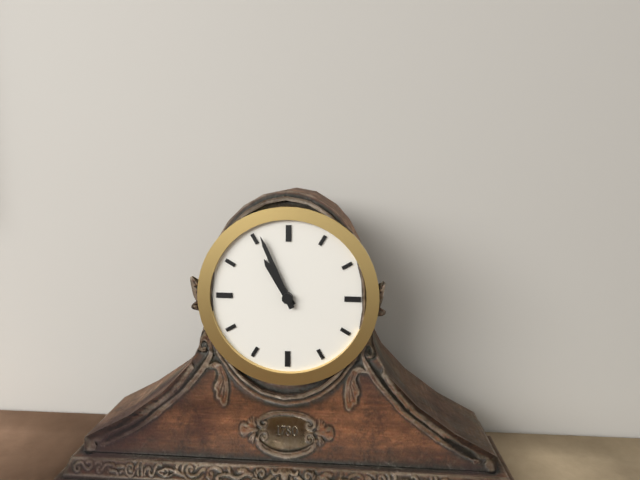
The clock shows 10:56
